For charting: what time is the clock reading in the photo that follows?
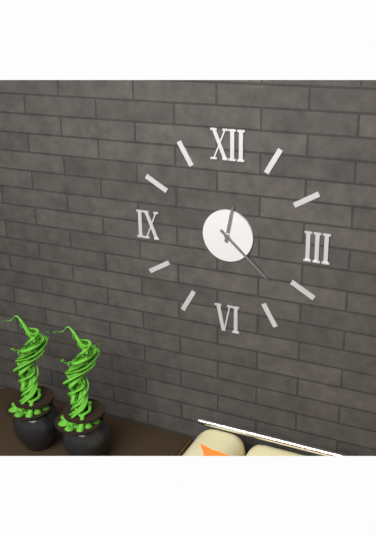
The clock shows 12:22
